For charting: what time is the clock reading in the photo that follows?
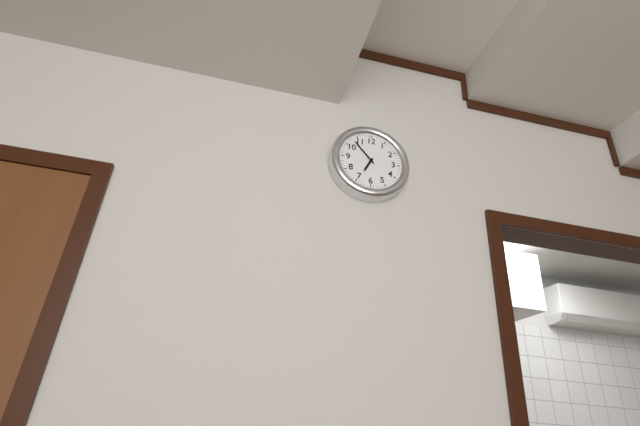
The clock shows 6:53
